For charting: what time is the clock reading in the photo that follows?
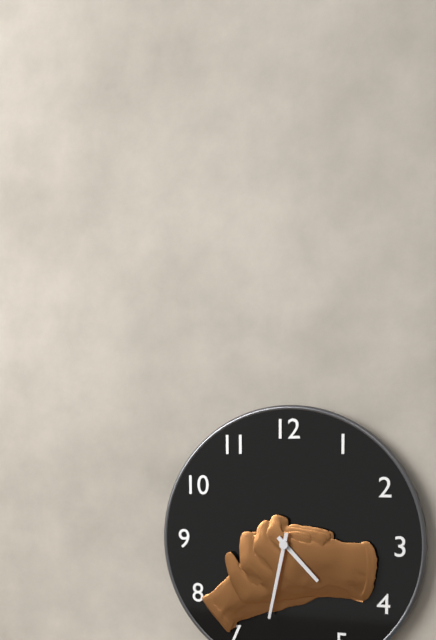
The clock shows 4:32
